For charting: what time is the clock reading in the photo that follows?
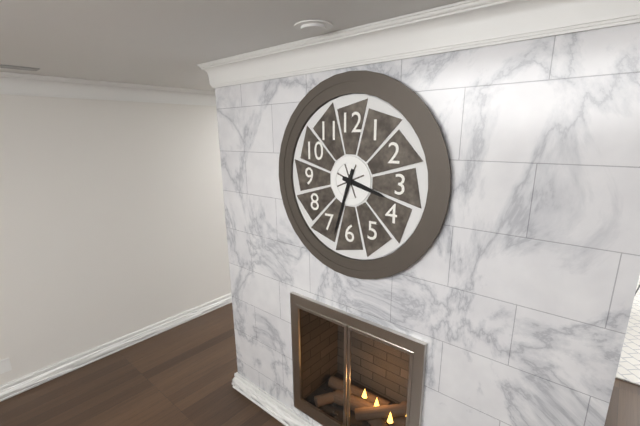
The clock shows 3:33
